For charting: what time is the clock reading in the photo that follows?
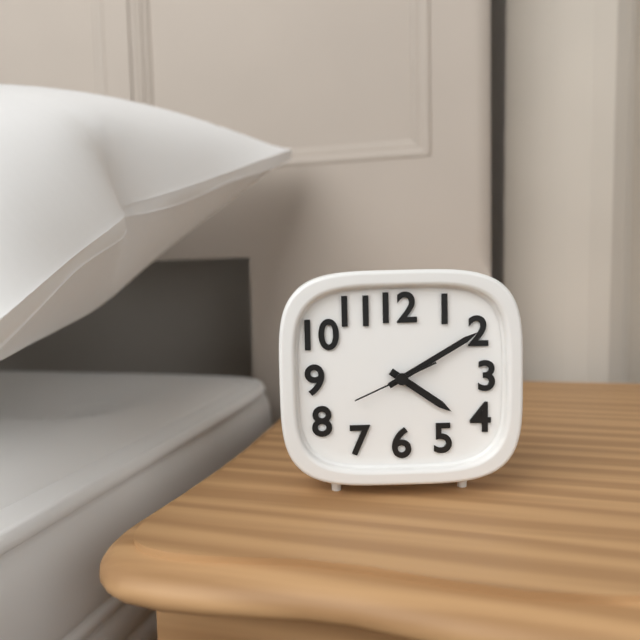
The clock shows 4:10:41
